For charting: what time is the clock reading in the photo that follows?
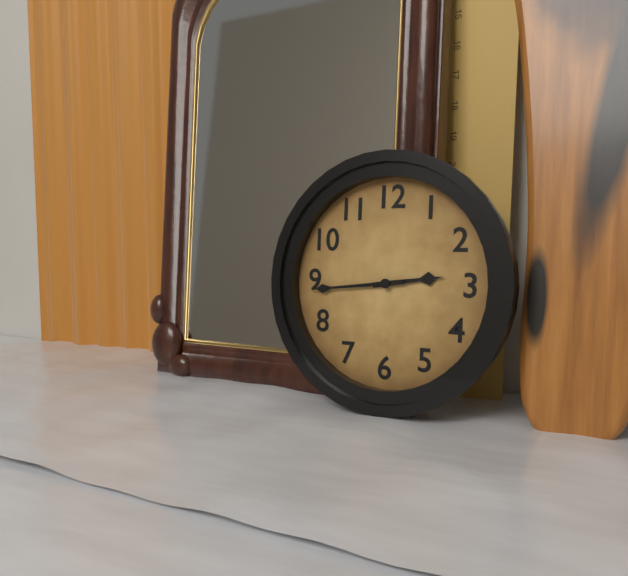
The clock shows 2:44
